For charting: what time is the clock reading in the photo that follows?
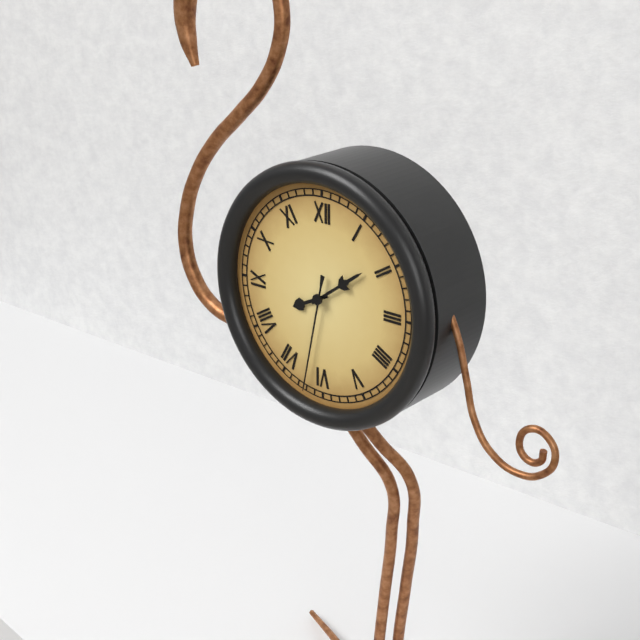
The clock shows 8:09:32
